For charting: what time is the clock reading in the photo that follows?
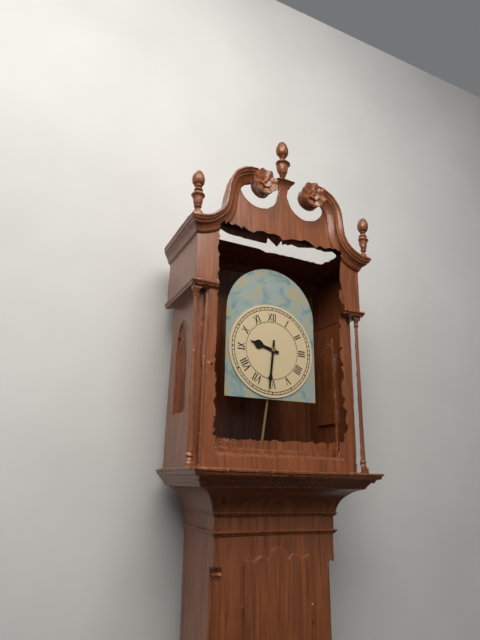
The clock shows 9:31
